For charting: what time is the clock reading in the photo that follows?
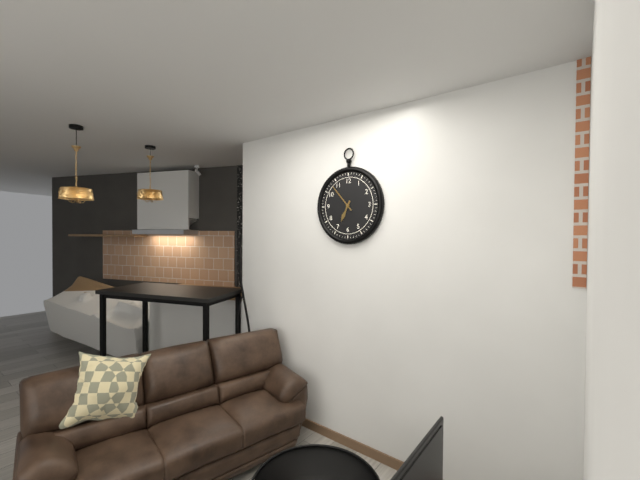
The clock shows 6:53
